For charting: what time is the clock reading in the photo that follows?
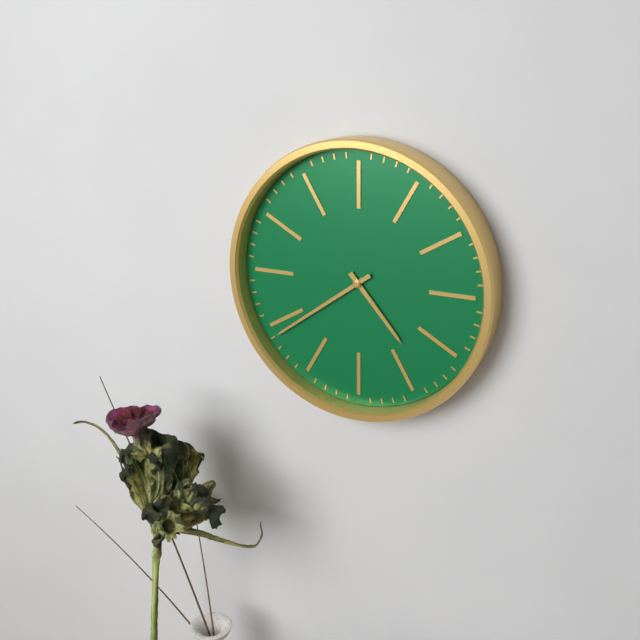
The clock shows 4:39
